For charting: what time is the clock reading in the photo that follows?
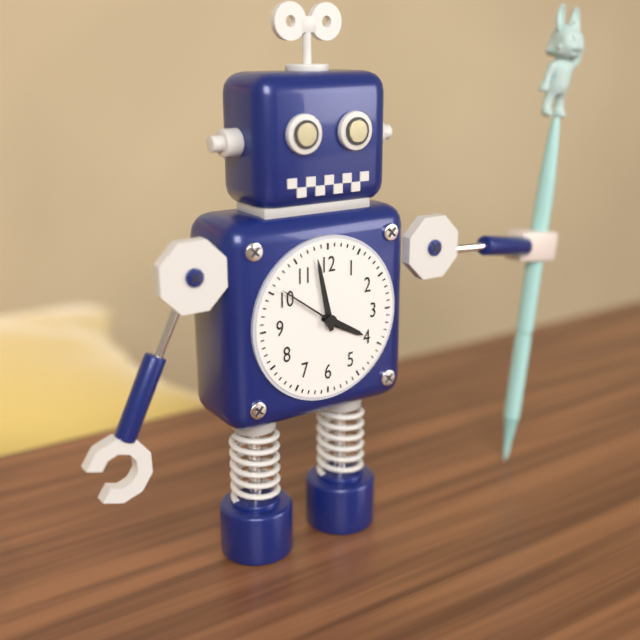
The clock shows 3:58:51
